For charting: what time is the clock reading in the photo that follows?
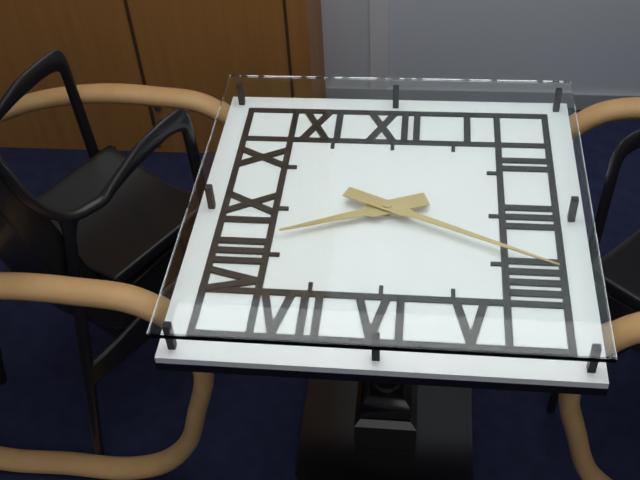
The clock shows 8:19
